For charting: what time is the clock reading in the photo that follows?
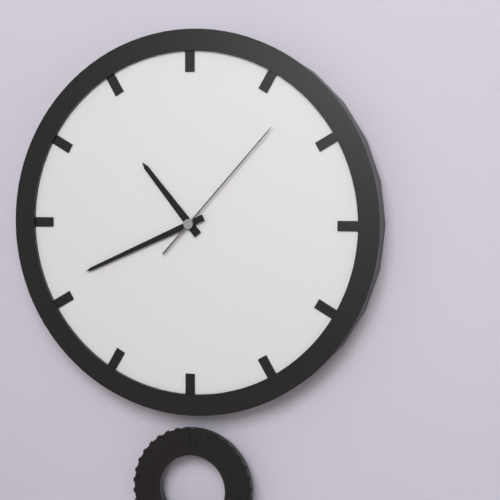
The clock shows 10:41:07
